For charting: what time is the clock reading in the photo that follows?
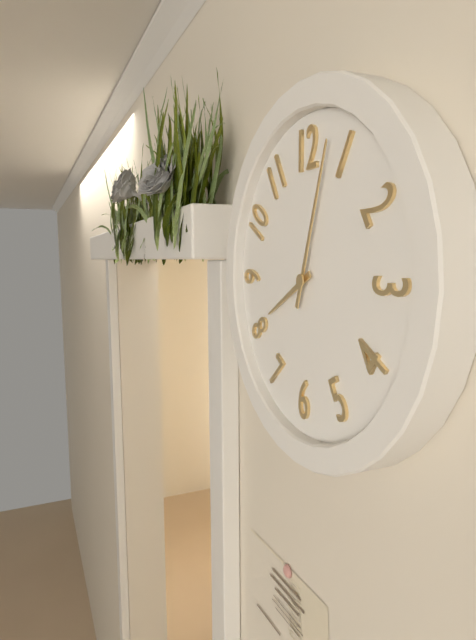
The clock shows 8:03
